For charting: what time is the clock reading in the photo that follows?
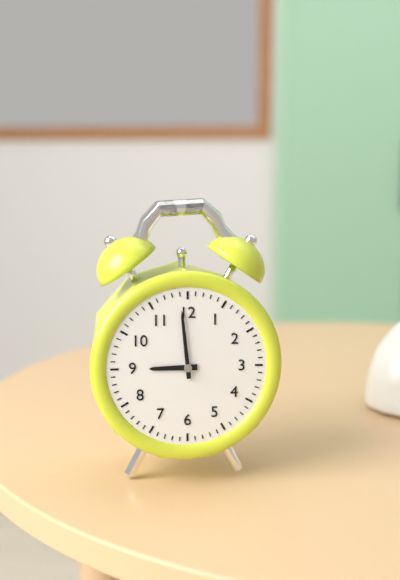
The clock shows 8:59
